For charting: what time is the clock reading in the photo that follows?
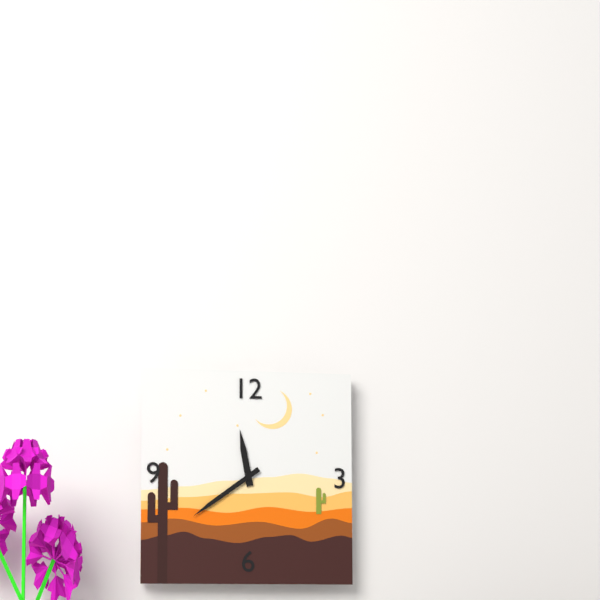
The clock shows 11:39
